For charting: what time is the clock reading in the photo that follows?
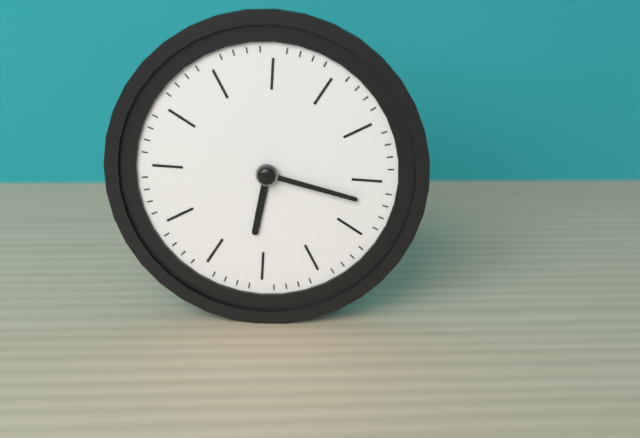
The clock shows 6:17
